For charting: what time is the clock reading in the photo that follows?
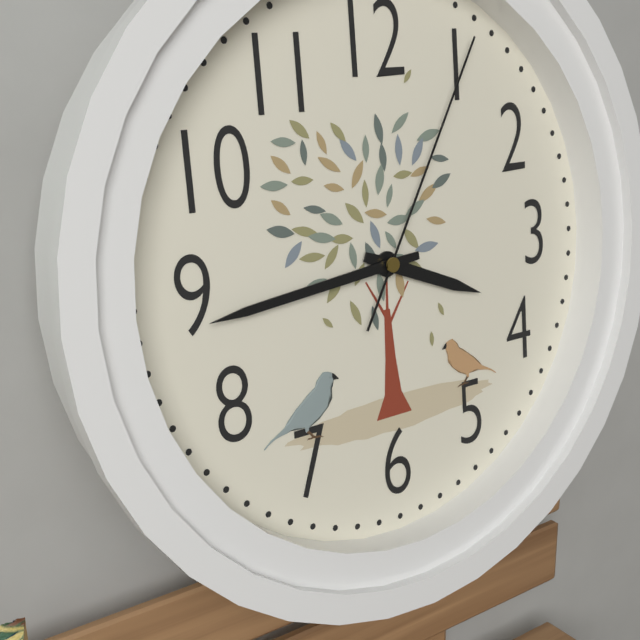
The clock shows 3:44:05
